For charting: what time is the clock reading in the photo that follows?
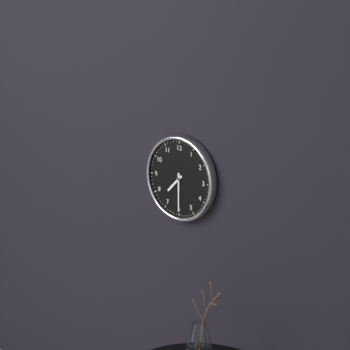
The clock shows 7:30
